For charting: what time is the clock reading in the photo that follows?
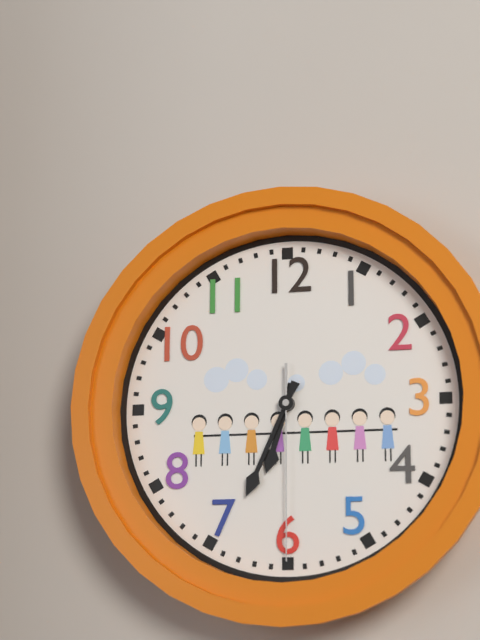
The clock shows 6:34:30
